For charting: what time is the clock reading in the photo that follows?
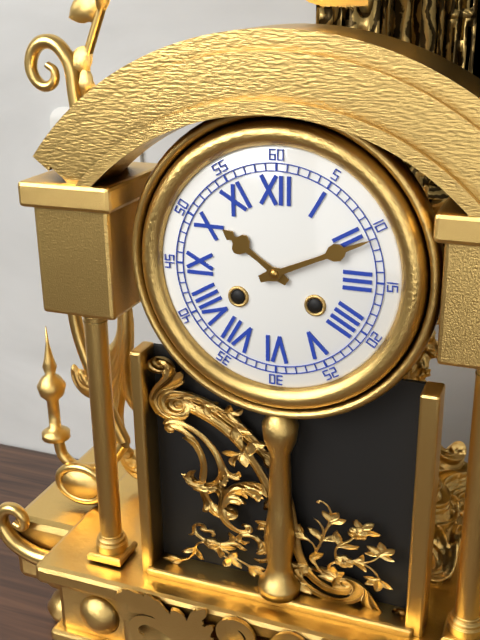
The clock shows 10:11
